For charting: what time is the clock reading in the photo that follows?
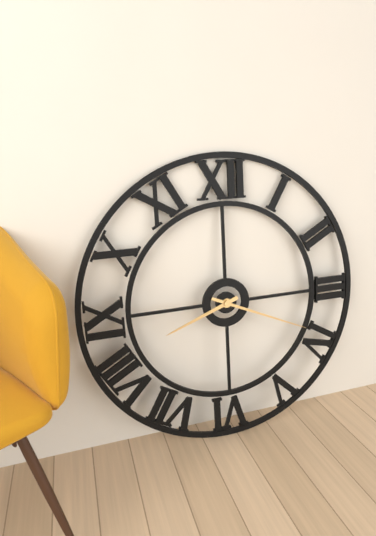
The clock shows 8:19
